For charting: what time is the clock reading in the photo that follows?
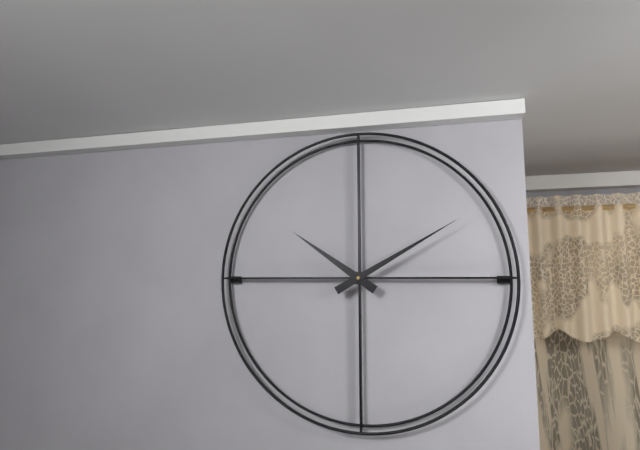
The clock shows 10:10
